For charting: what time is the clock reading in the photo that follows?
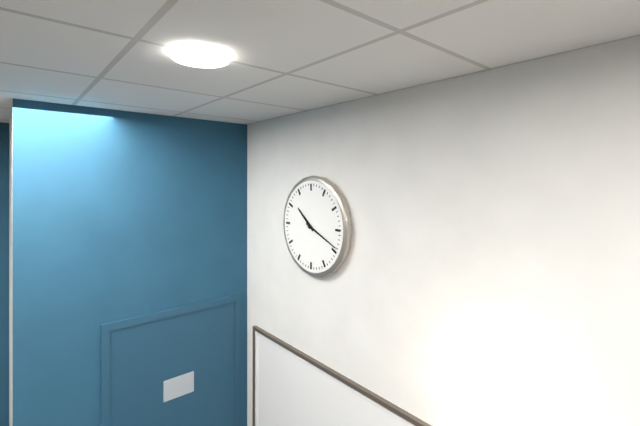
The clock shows 10:19
